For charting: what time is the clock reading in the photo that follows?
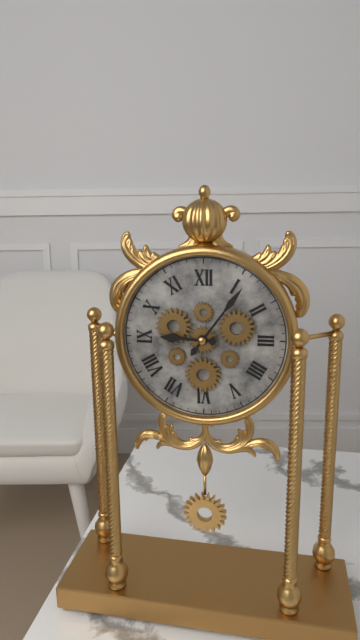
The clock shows 9:06
